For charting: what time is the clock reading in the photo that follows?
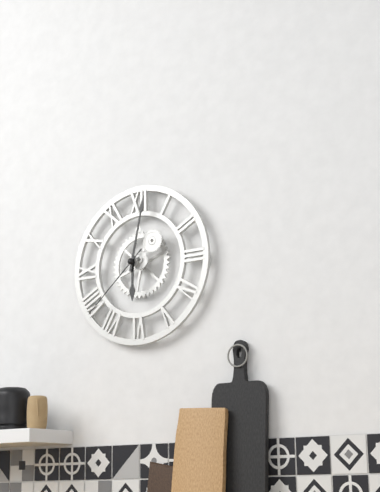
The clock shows 6:02:38
